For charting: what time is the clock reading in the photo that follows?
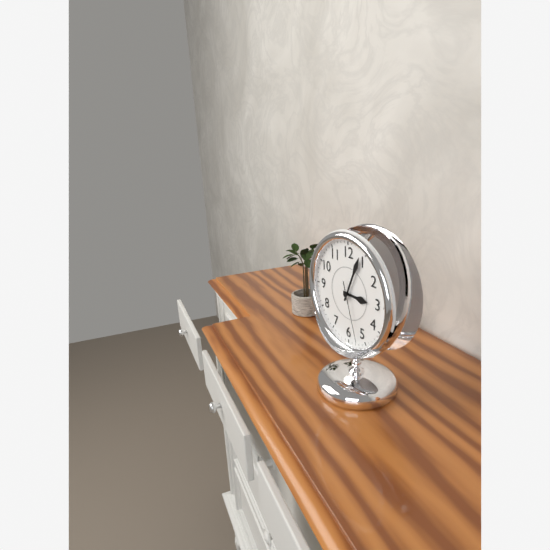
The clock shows 3:04:27
